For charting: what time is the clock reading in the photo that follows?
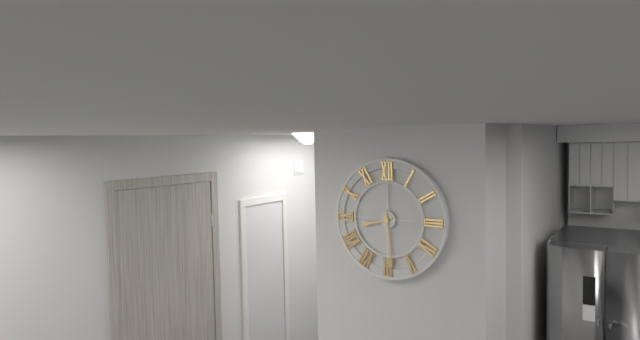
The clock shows 8:29
